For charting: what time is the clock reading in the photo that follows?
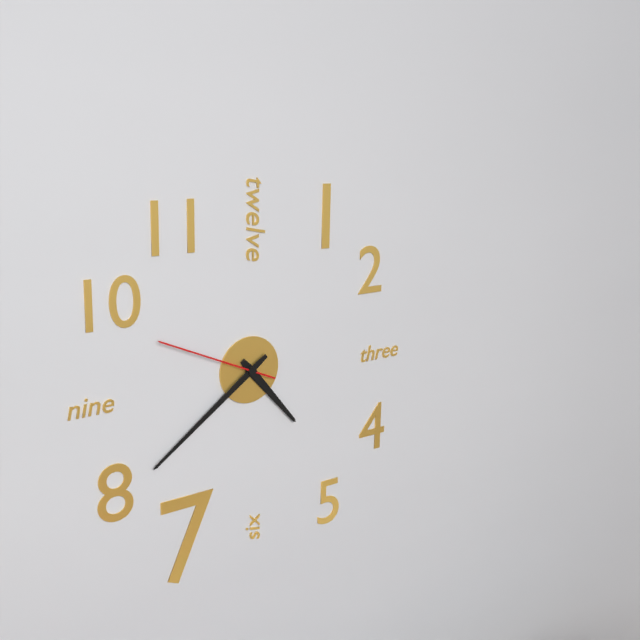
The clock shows 4:39:49
